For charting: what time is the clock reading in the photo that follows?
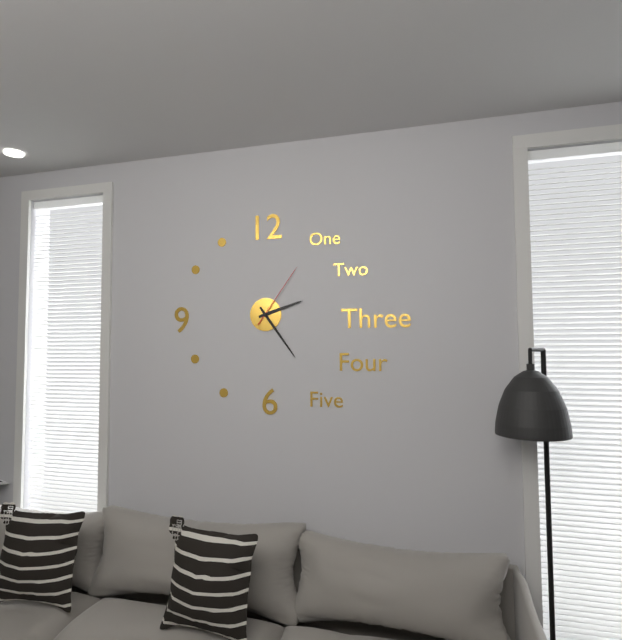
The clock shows 2:24:06
